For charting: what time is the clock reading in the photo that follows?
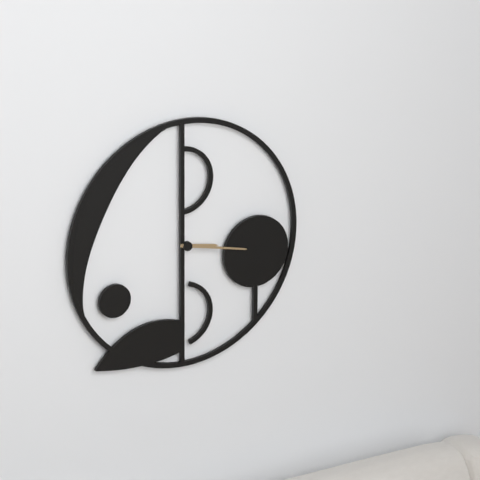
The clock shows 3:17
